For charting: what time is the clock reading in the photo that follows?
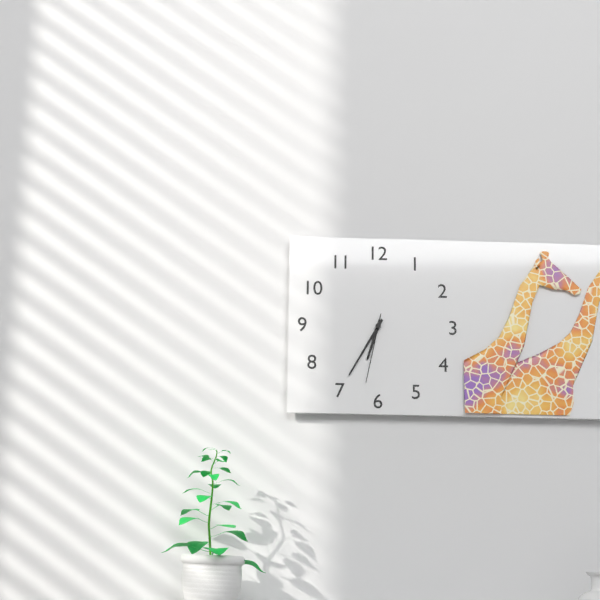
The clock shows 6:35:32
